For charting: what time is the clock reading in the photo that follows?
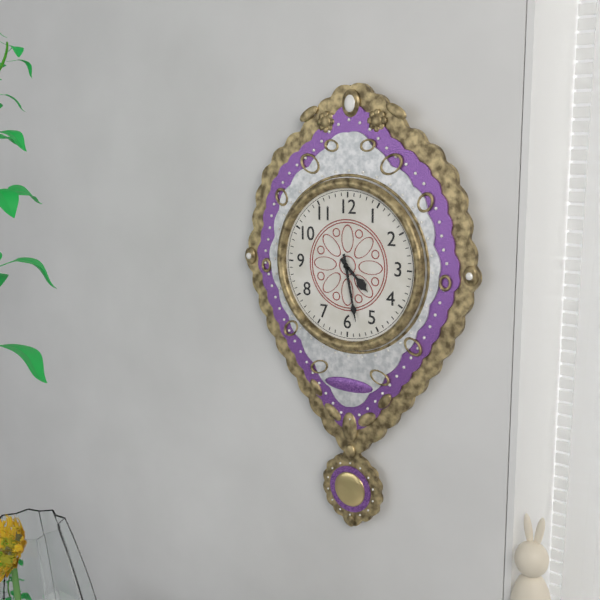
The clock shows 4:28
